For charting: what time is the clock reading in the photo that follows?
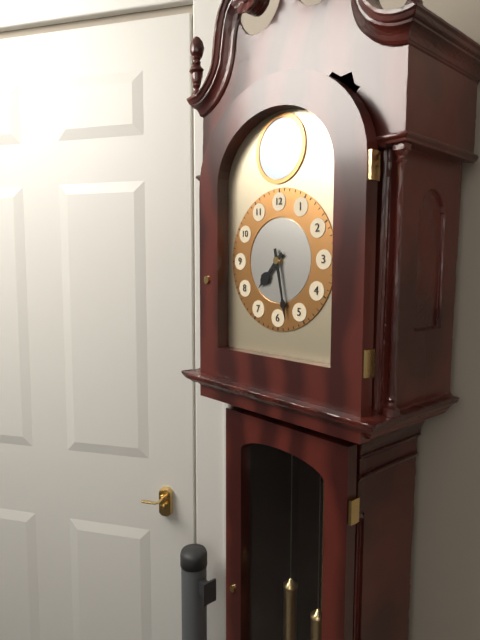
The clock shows 7:28
